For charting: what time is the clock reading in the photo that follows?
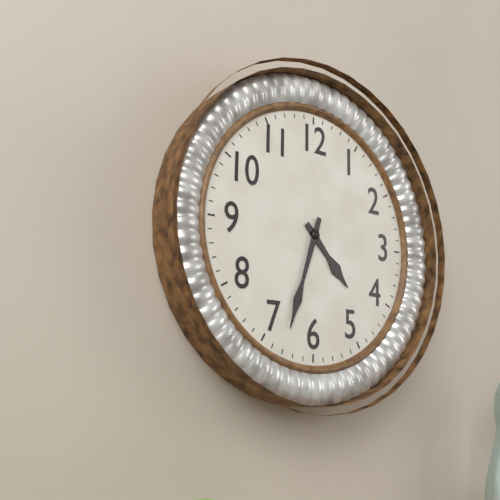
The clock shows 4:33
